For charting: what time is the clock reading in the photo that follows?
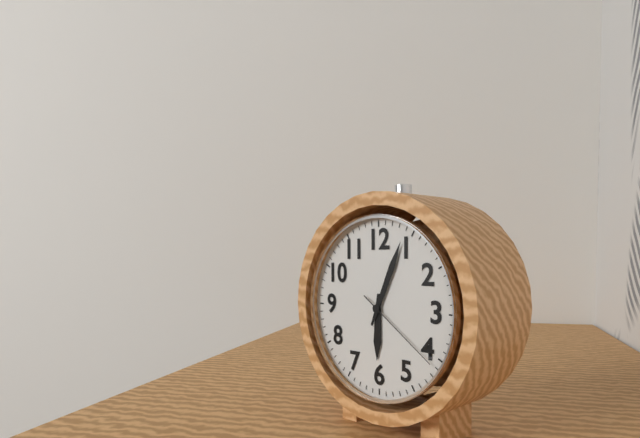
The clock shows 6:04:21
